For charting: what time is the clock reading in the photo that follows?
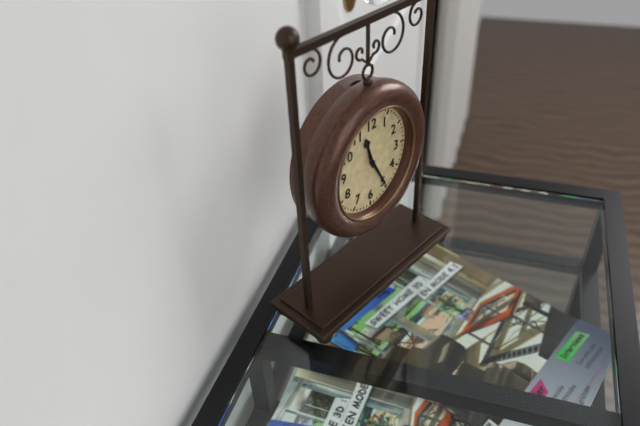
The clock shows 11:25
